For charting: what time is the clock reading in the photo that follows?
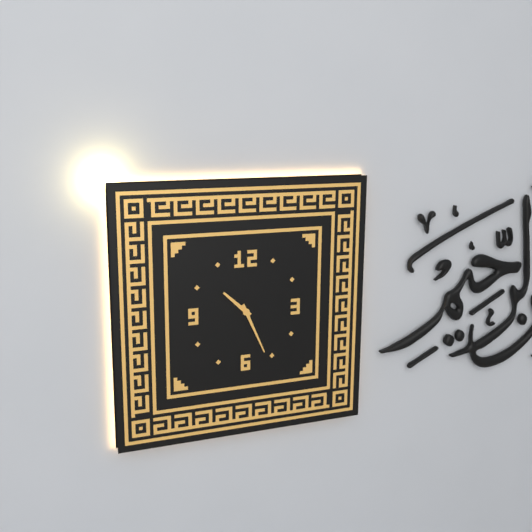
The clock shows 10:26
